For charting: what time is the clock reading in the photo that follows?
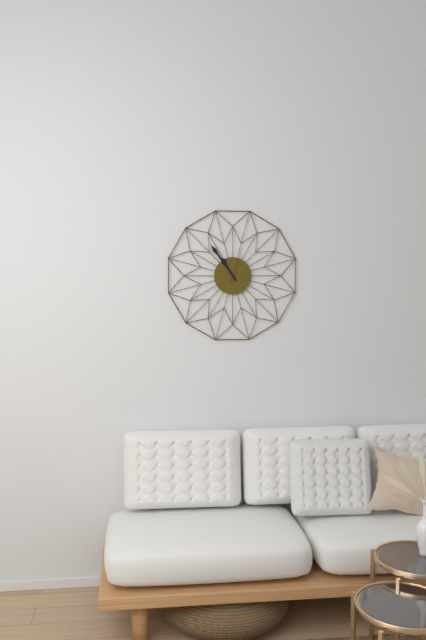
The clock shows 10:54
